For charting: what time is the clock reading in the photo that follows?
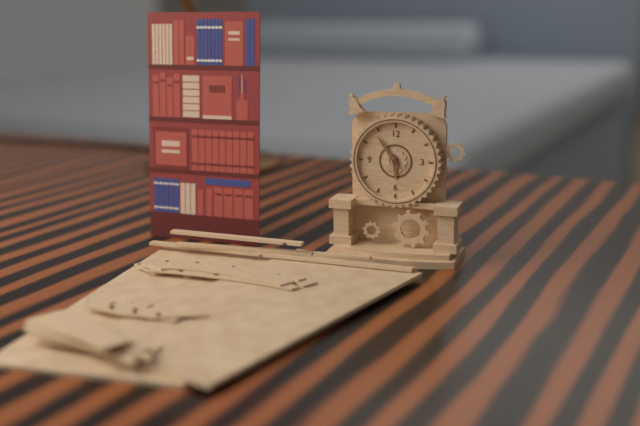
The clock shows 5:54
